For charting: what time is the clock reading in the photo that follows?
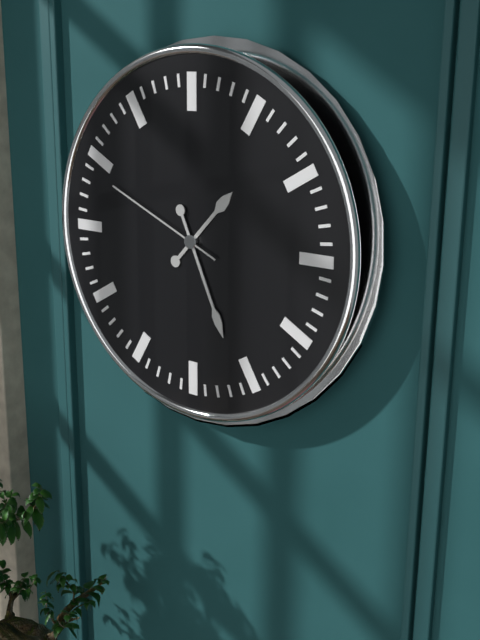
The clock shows 1:26:49
